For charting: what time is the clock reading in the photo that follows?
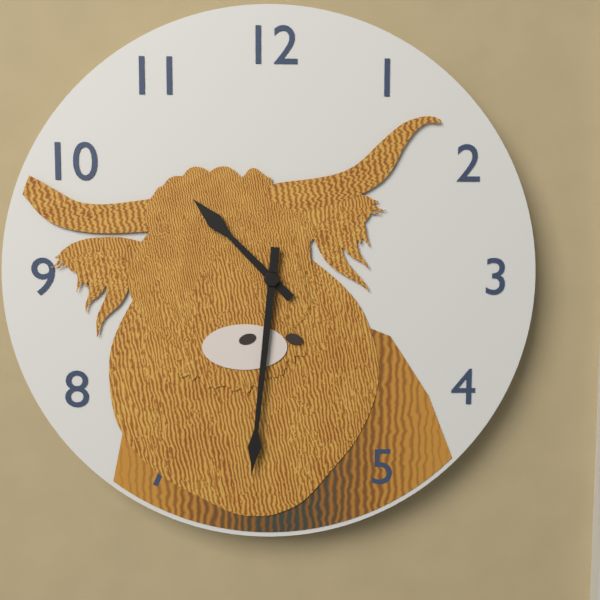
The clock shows 10:31
